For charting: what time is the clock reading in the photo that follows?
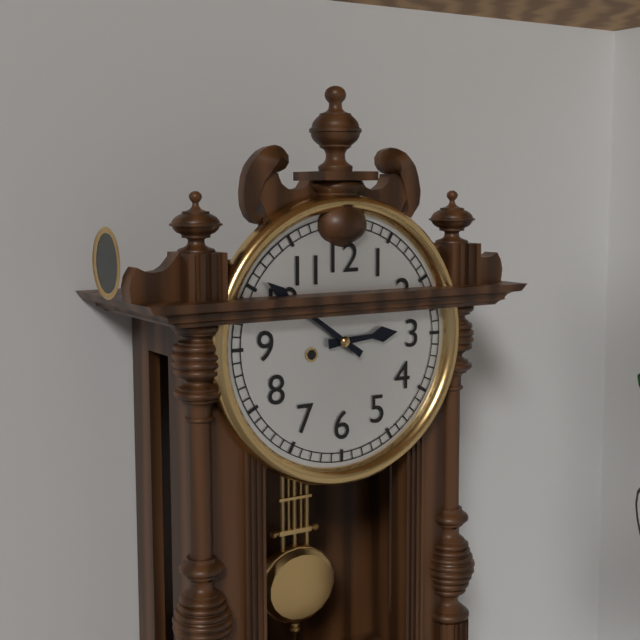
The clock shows 2:51
